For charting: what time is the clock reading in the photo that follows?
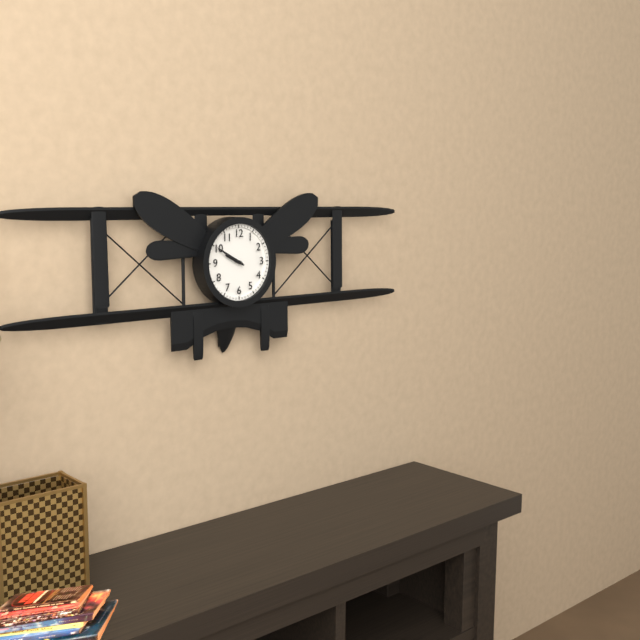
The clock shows 9:50
